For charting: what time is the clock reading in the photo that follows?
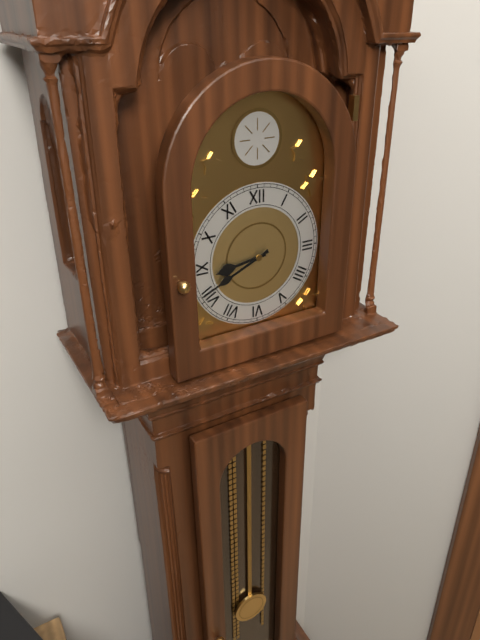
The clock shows 8:41
